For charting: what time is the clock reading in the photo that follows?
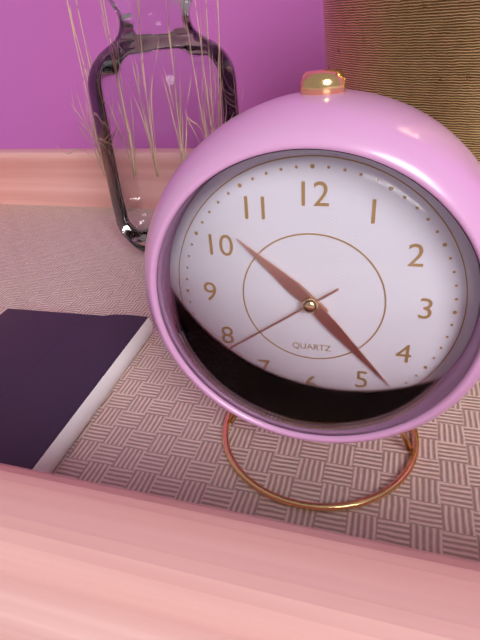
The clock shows 10:23:39
